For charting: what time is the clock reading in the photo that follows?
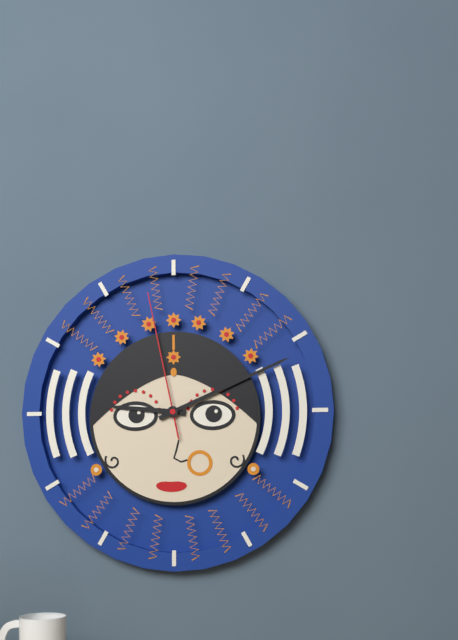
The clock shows 9:11:58
